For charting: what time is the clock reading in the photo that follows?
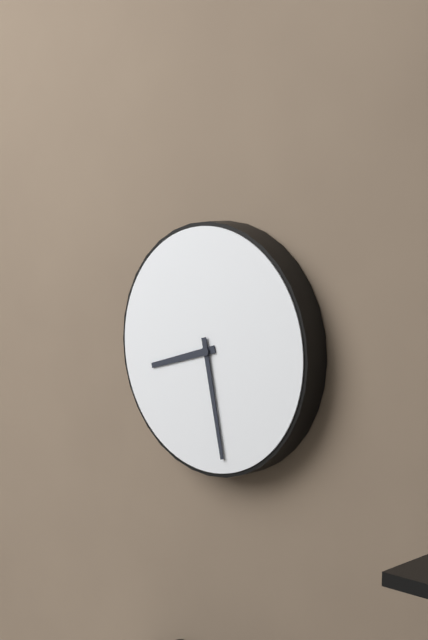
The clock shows 8:28
